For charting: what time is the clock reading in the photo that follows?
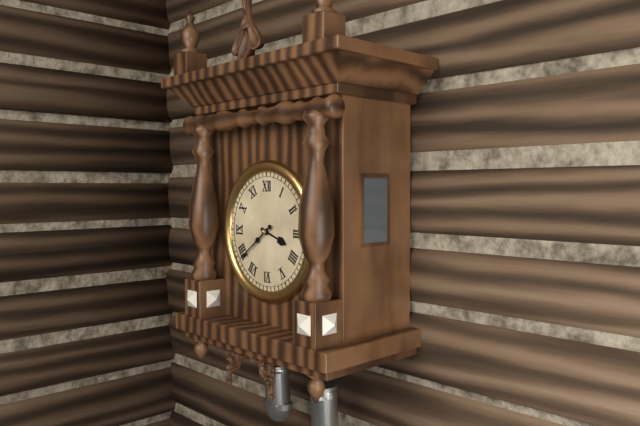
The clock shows 3:39
